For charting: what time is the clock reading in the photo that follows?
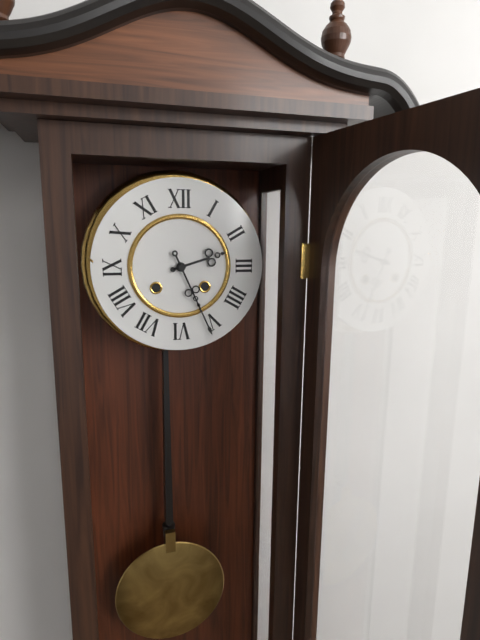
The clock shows 2:26
